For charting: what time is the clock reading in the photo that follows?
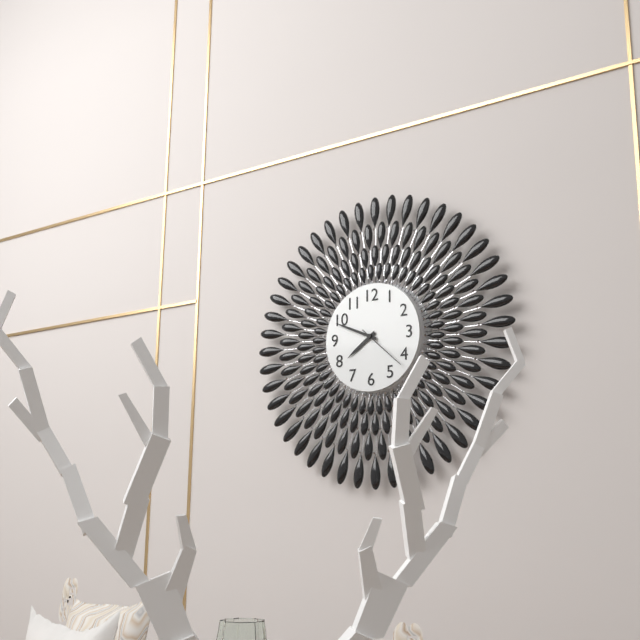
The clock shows 7:49:22
